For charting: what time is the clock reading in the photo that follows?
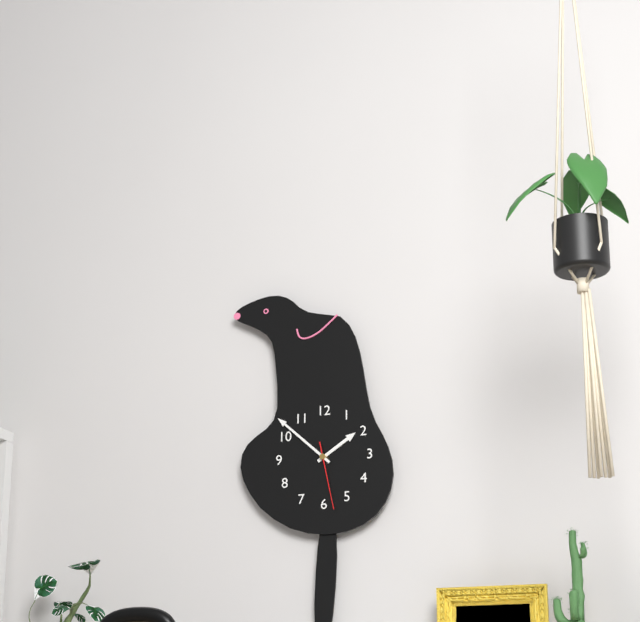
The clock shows 1:52:28
